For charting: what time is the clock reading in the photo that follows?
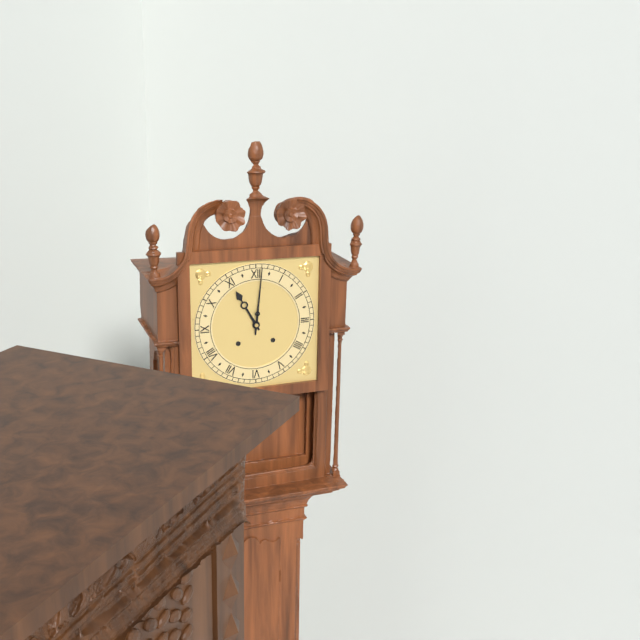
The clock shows 11:01
